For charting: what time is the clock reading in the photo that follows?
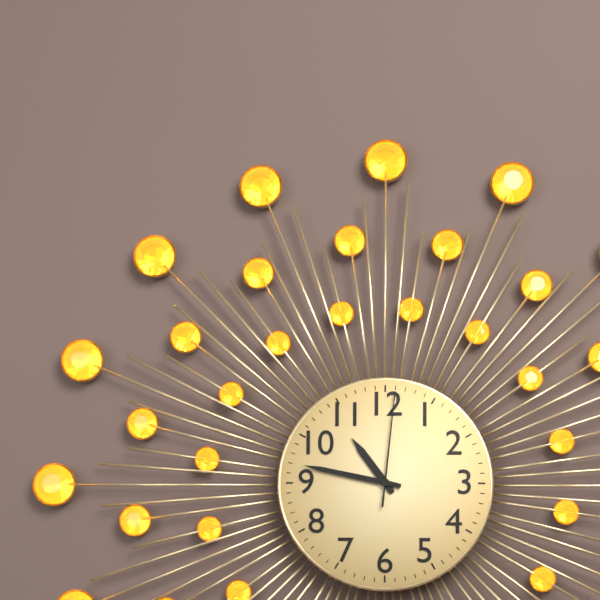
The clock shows 10:47:01
